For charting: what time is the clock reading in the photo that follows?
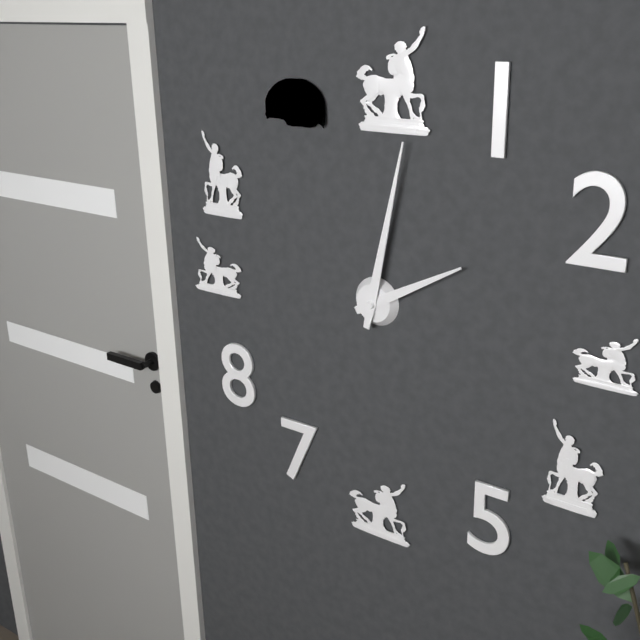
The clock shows 2:02
